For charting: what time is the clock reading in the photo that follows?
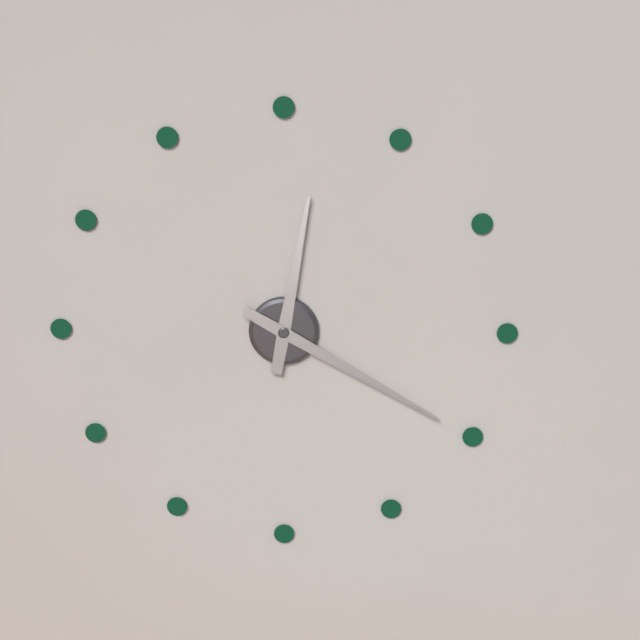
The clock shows 12:20
